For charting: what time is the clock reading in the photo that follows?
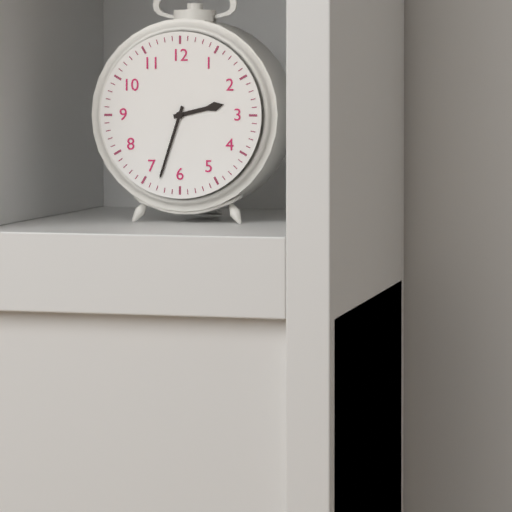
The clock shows 2:33
